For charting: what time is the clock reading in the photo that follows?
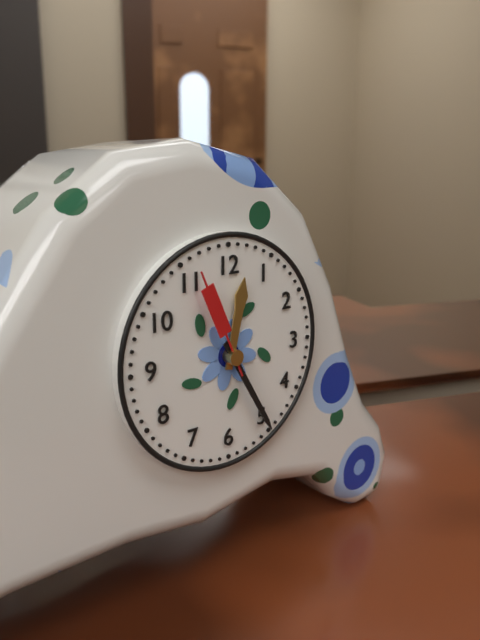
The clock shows 12:25:56
